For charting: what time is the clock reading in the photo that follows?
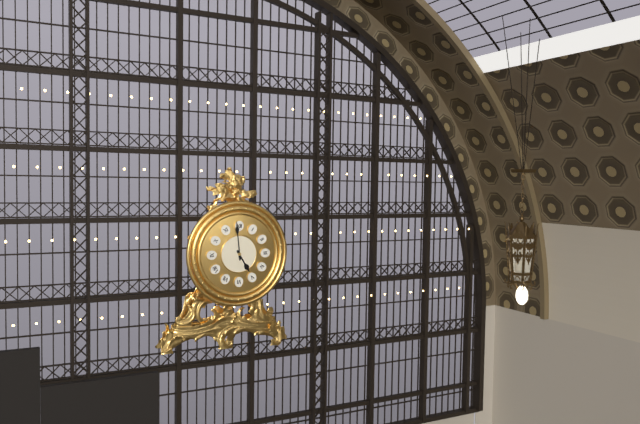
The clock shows 4:59
